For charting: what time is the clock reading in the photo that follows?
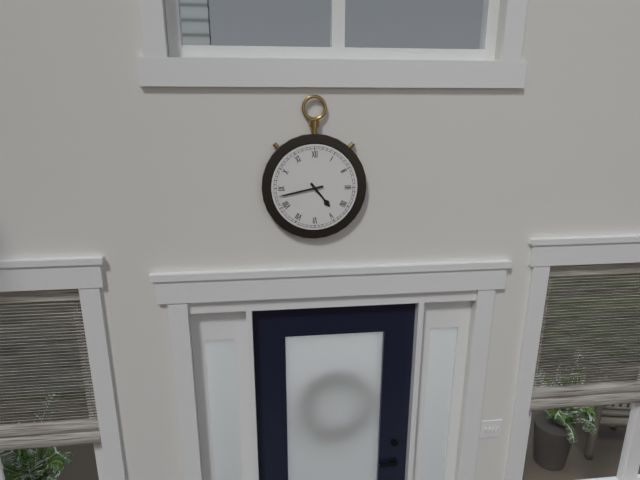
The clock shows 4:43
